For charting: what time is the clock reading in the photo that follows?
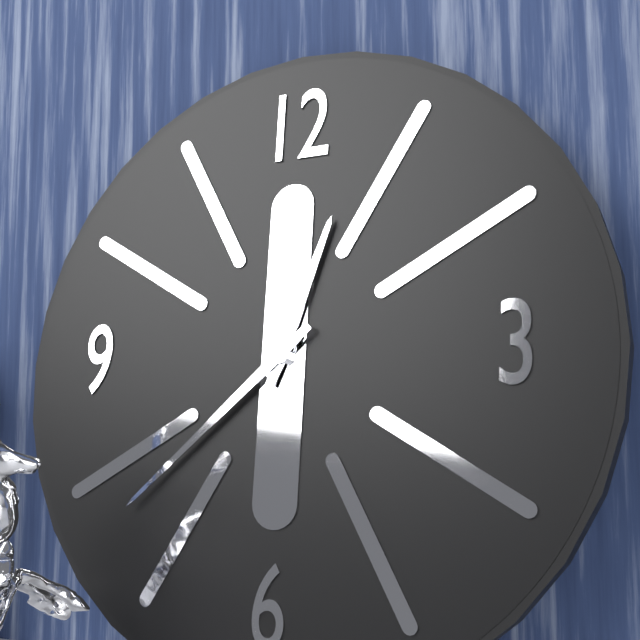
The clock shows 12:38
